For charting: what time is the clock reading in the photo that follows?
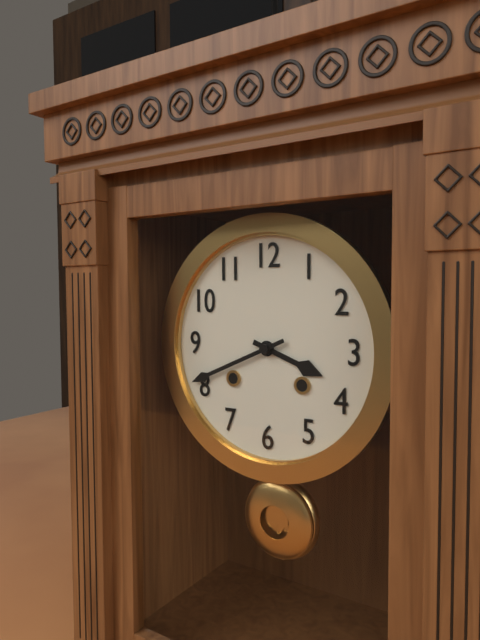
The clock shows 3:41
